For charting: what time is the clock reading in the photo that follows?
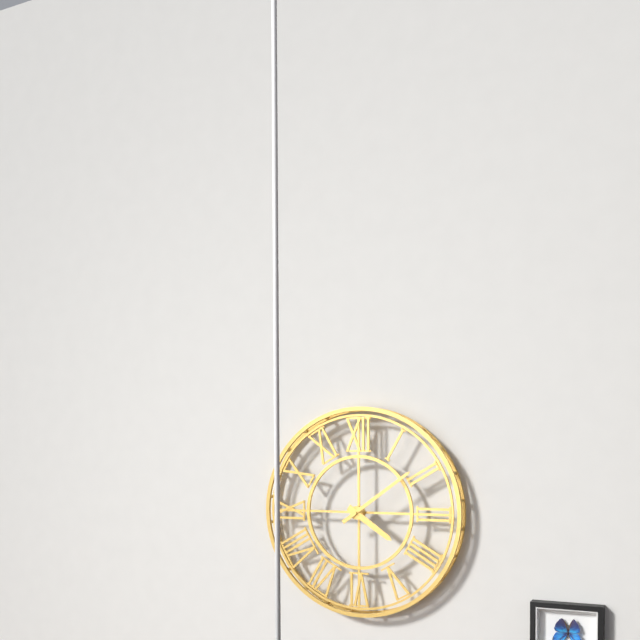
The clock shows 4:09
